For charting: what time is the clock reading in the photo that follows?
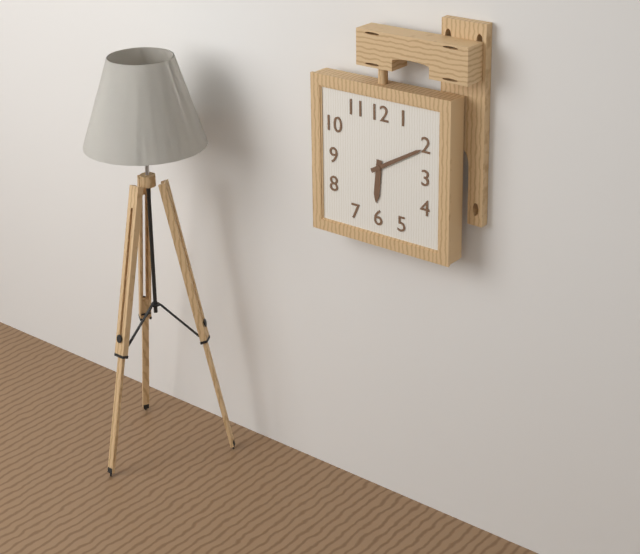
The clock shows 6:10
